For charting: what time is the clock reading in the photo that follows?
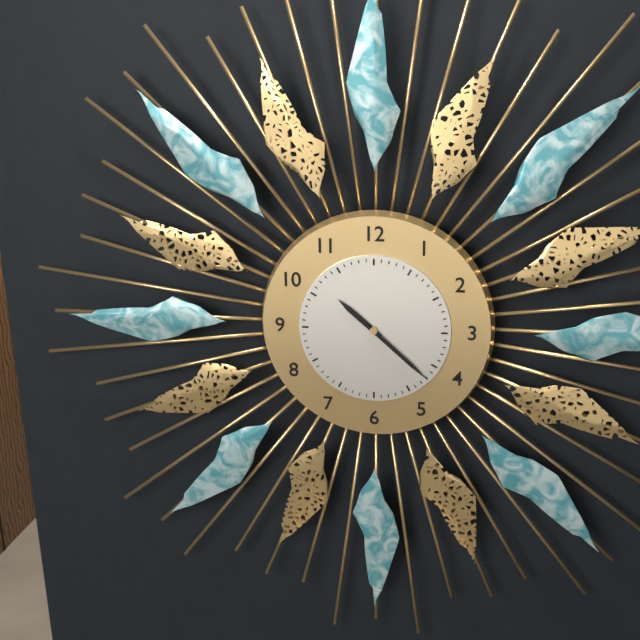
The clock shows 10:22
